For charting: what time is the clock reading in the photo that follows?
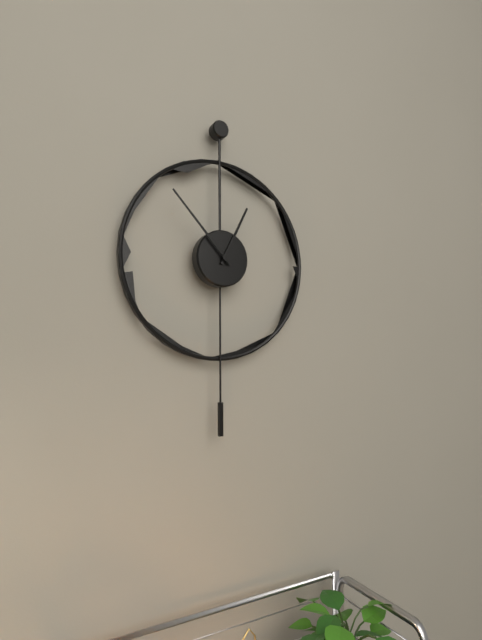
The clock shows 12:53
